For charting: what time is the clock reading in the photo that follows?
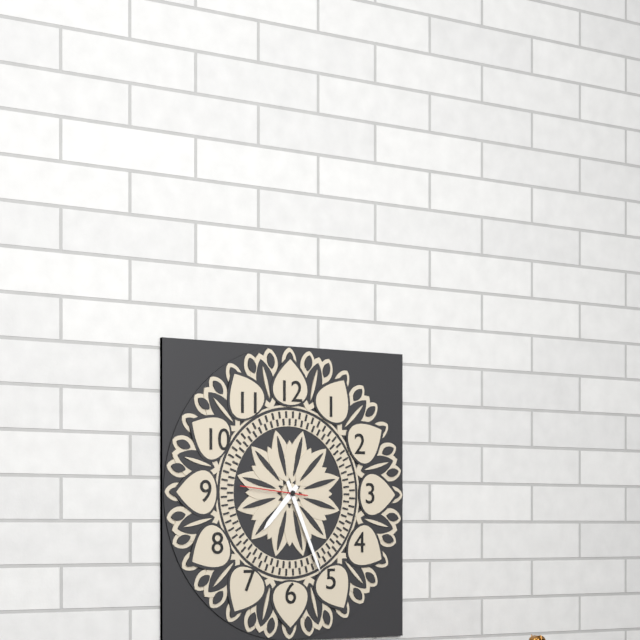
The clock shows 7:26:46
